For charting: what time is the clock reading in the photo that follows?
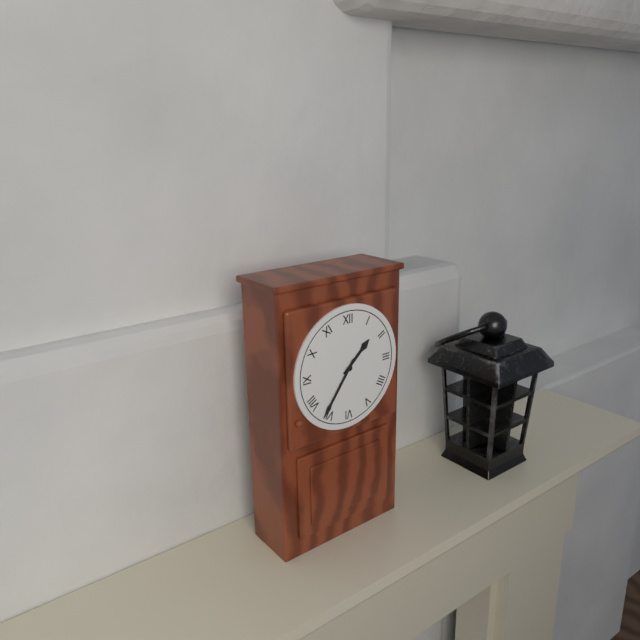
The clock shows 1:36
